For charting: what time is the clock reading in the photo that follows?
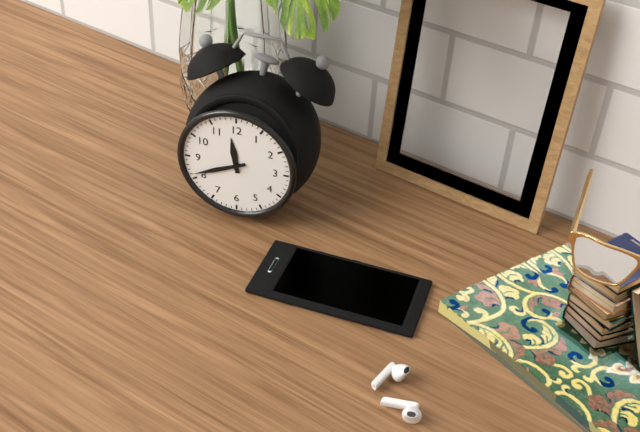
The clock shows 11:41
